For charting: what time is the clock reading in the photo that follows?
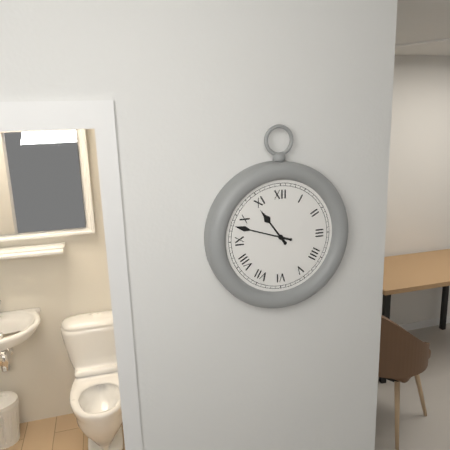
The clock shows 10:48
